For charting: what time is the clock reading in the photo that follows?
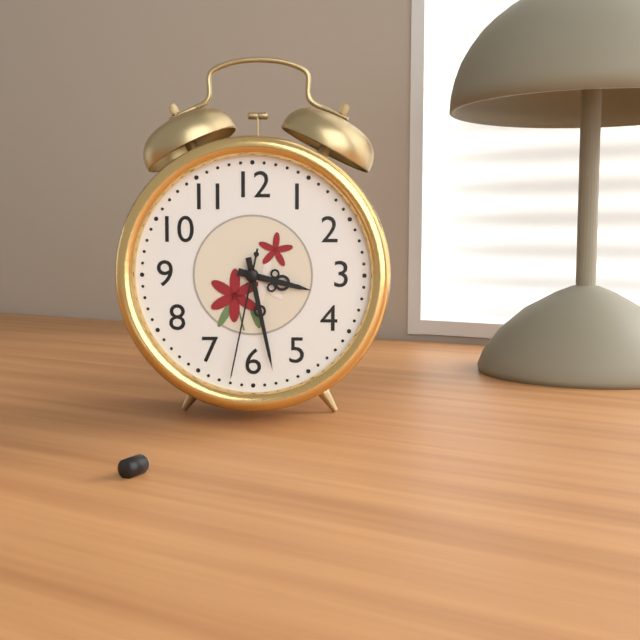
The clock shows 3:28:32
